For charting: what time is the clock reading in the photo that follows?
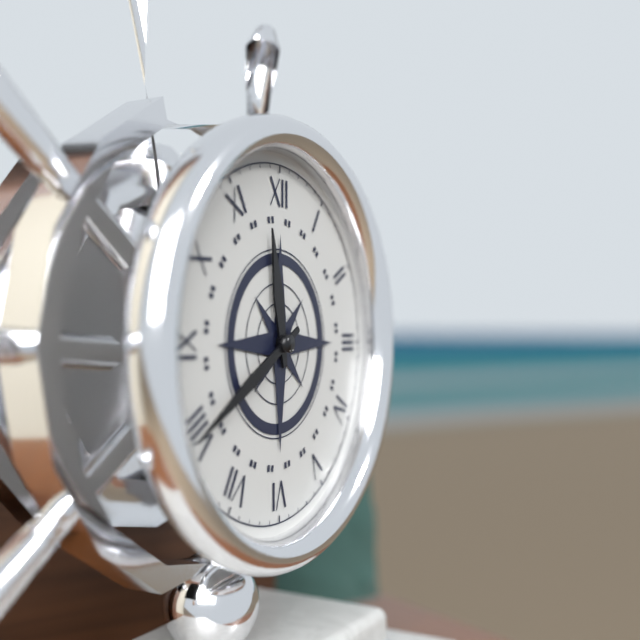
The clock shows 11:40
